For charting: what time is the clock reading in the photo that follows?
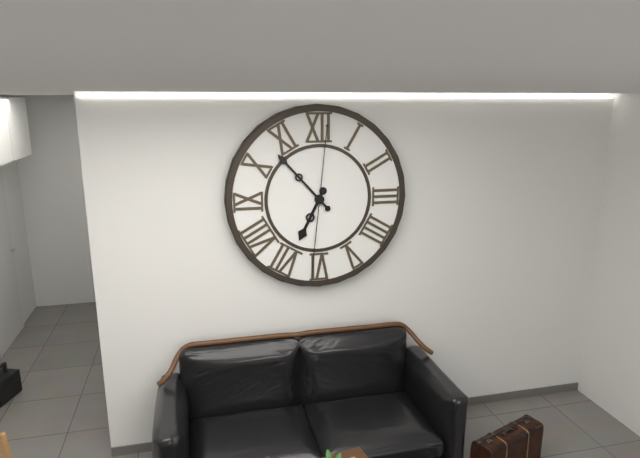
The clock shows 6:53:31
